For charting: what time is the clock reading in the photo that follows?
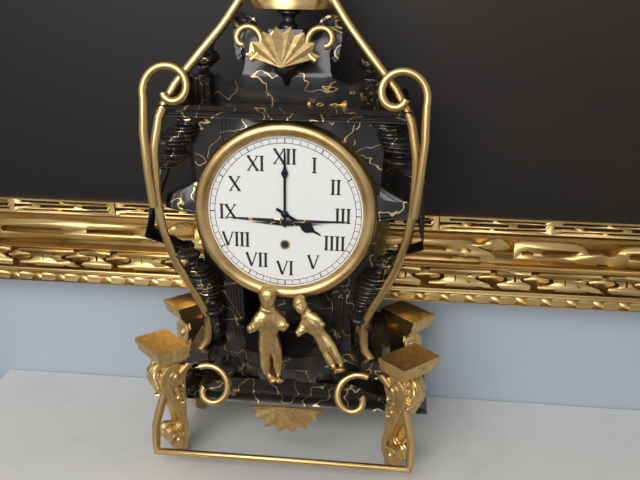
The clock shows 4:00
